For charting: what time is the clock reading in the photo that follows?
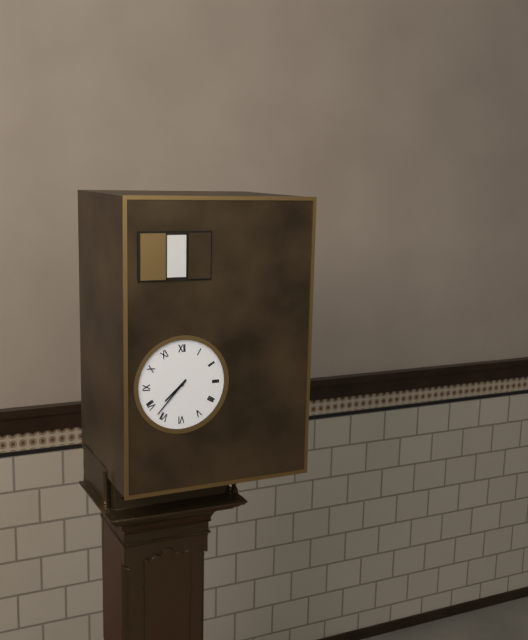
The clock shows 7:37
